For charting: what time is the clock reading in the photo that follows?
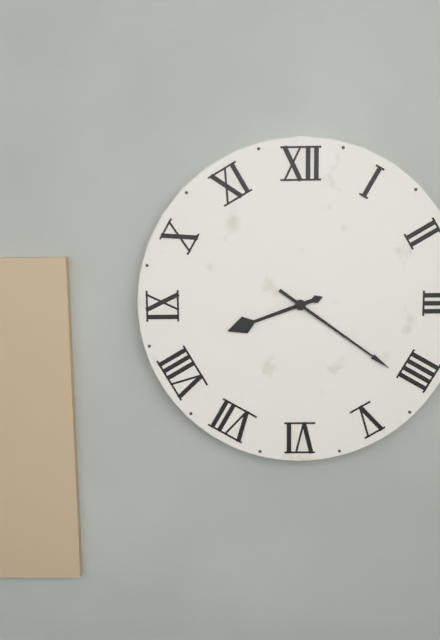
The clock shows 8:21
